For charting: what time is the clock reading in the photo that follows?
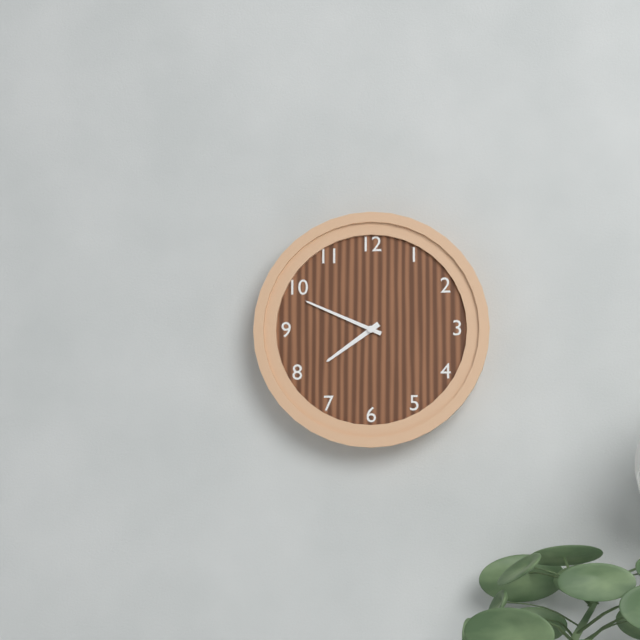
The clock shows 7:49
